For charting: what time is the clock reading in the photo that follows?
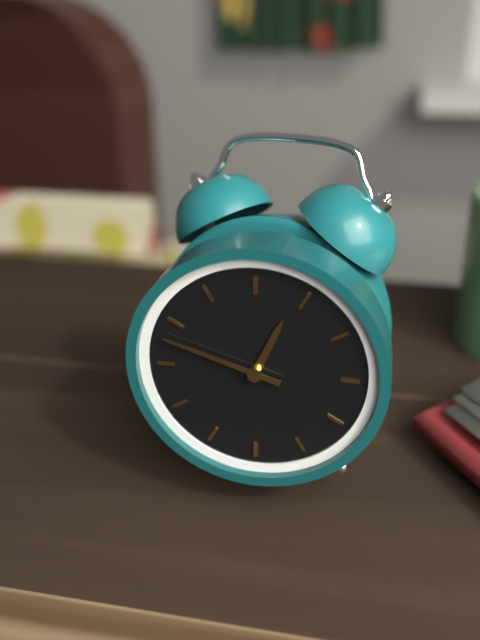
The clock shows 12:48
